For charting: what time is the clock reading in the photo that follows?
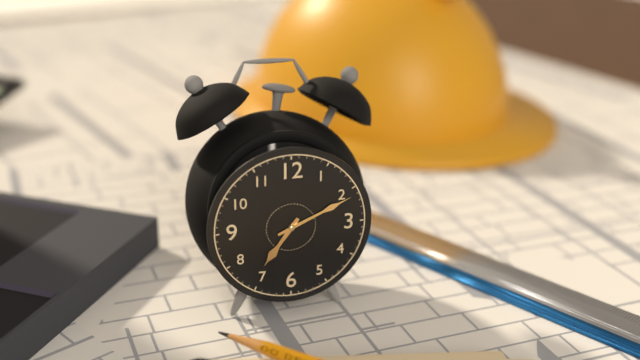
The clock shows 7:11
